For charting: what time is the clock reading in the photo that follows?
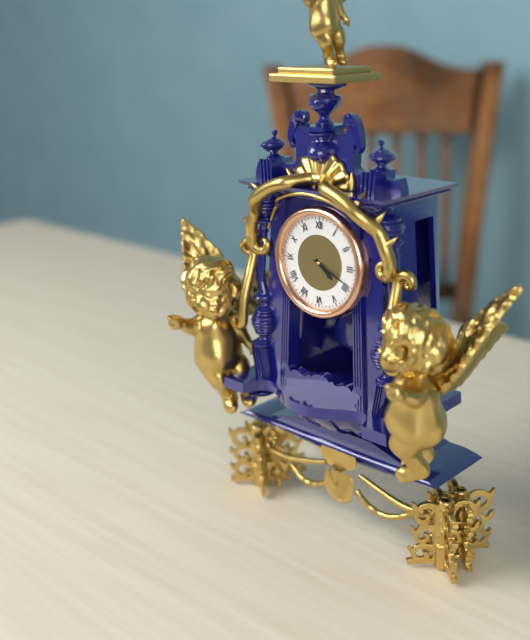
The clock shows 4:19
